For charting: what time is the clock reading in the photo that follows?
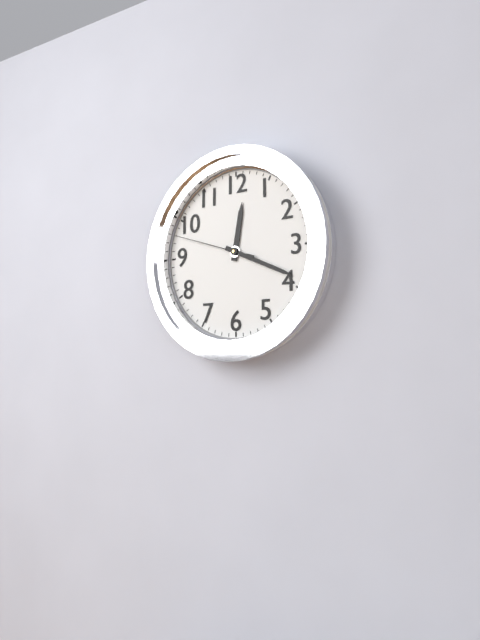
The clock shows 12:19:48
